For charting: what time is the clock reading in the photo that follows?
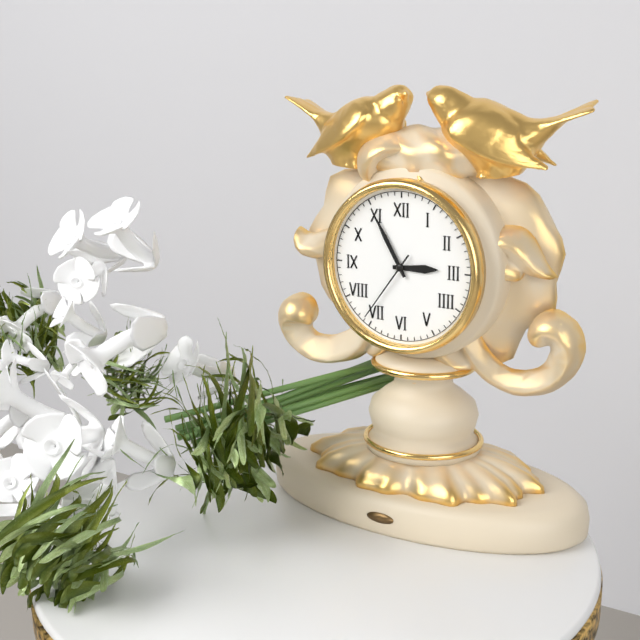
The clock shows 2:55:36
